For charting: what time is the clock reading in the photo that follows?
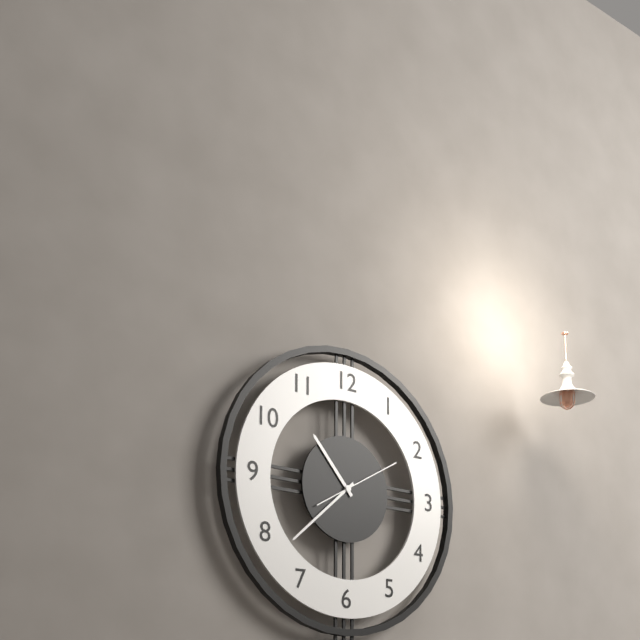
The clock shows 10:38:10
